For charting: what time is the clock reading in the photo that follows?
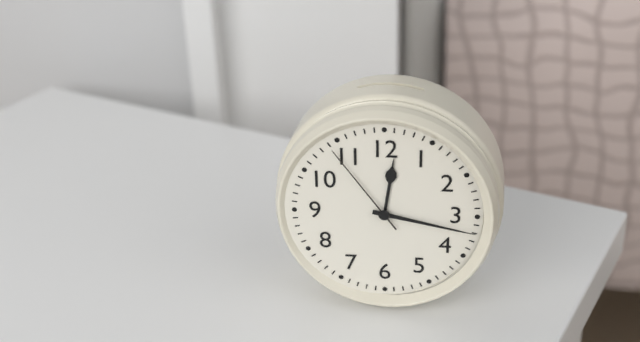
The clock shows 12:17:54
